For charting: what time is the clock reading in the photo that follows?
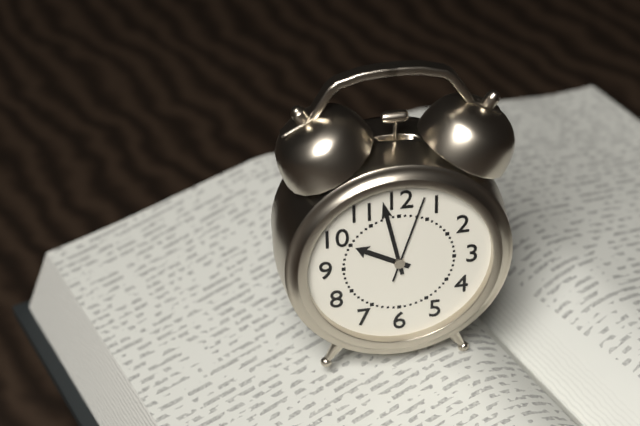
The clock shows 9:58:03
